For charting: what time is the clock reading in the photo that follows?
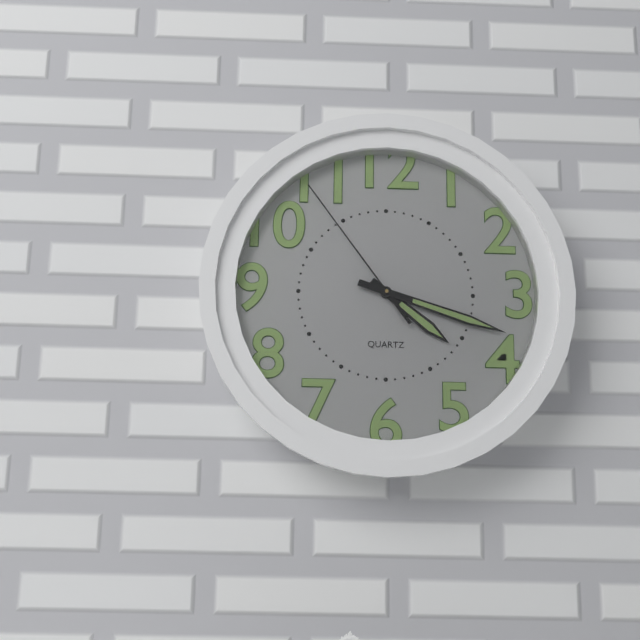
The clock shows 4:18:54
